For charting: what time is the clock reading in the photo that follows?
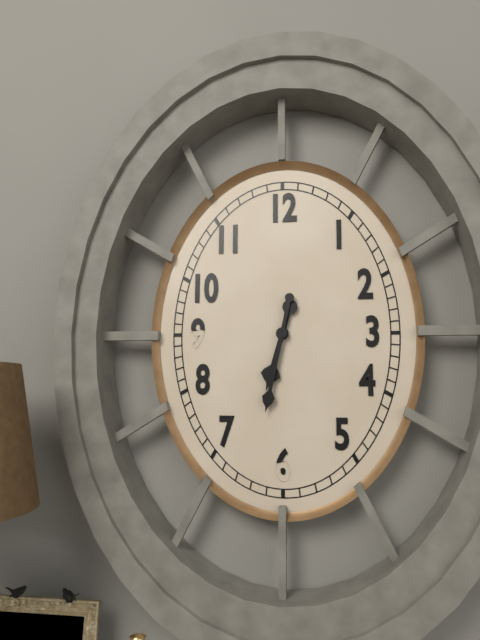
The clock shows 6:32
